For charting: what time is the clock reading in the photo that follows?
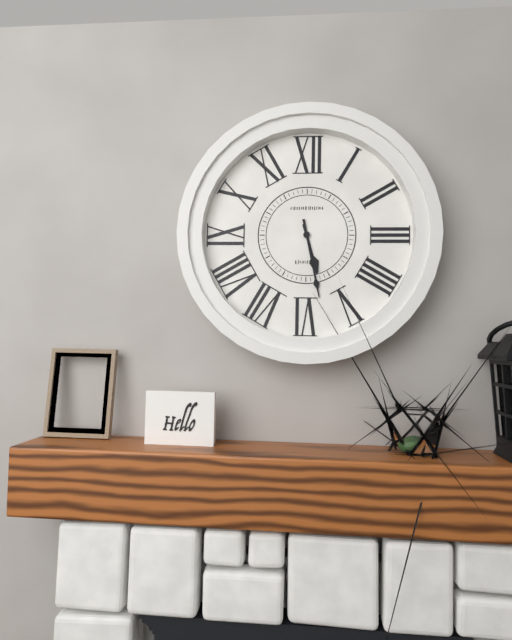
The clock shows 5:28
